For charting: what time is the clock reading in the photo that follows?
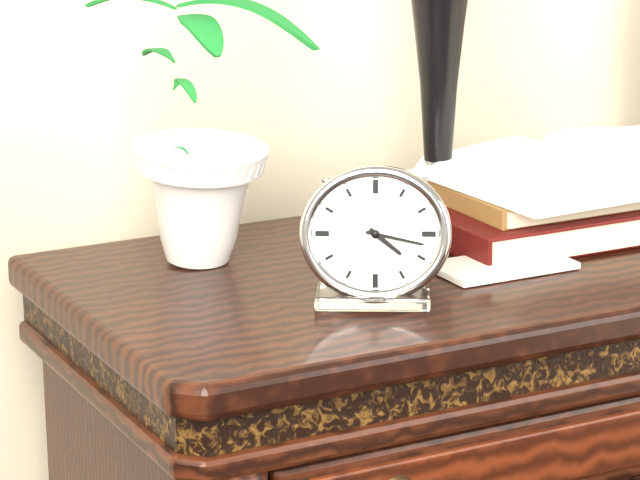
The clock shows 4:17
